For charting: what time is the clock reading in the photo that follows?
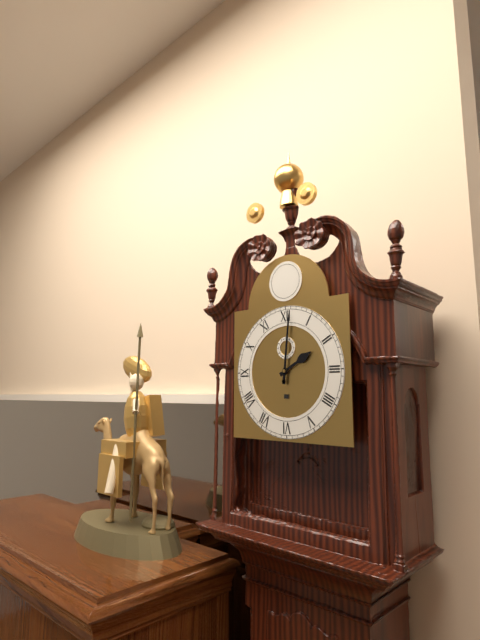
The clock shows 2:01
